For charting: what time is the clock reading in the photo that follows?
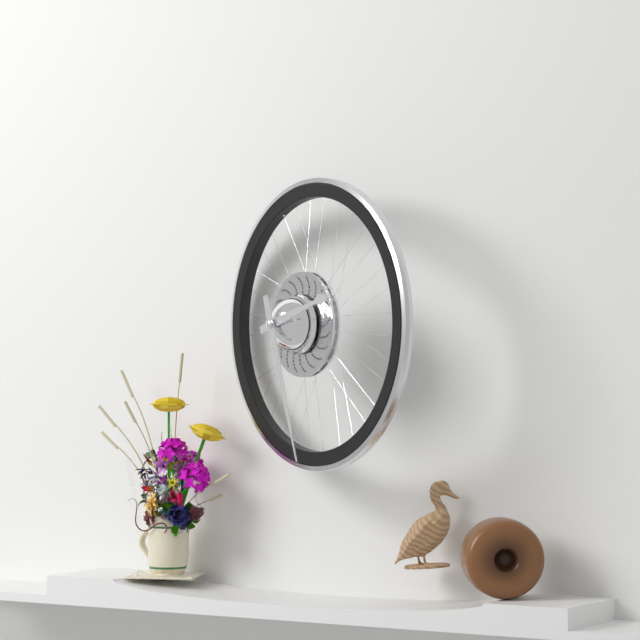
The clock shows 2:27
